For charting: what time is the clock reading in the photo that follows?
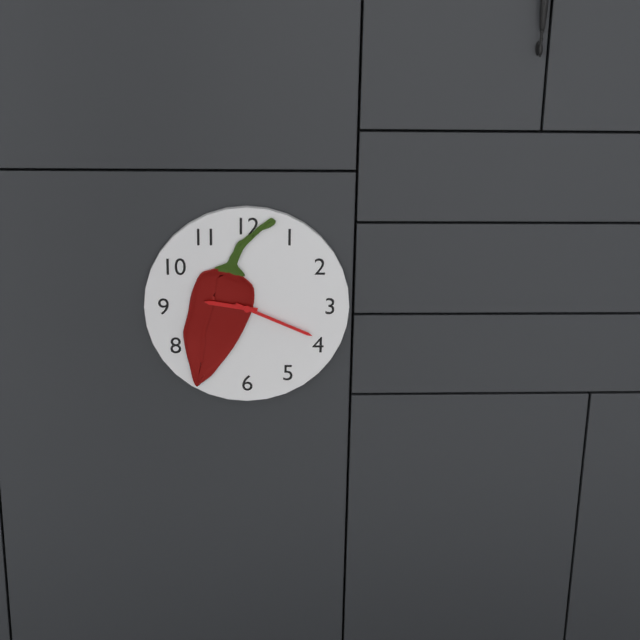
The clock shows 9:19
